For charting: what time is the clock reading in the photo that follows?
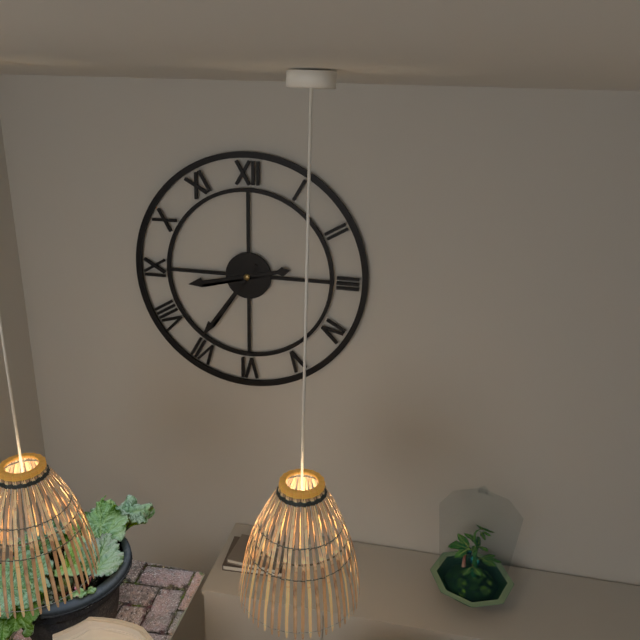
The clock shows 8:36
